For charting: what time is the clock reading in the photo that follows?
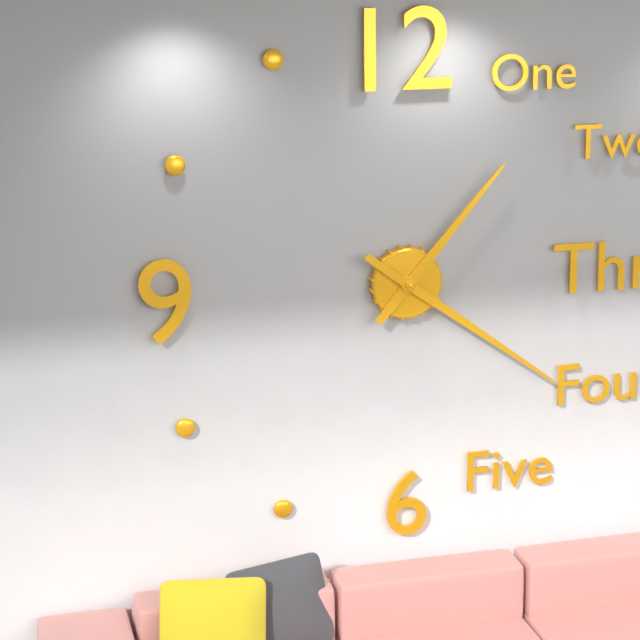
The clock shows 1:21
